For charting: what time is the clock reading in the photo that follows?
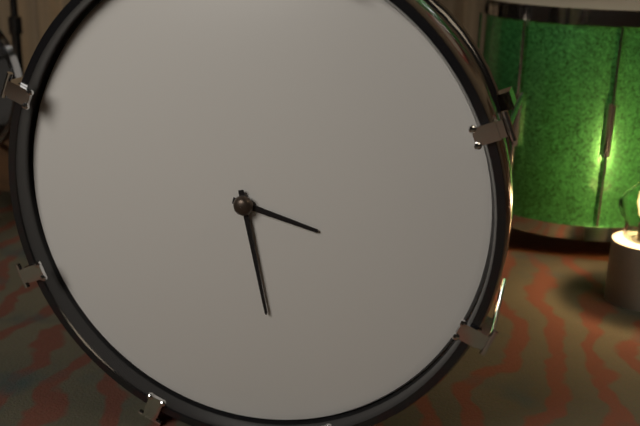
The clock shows 3:28
